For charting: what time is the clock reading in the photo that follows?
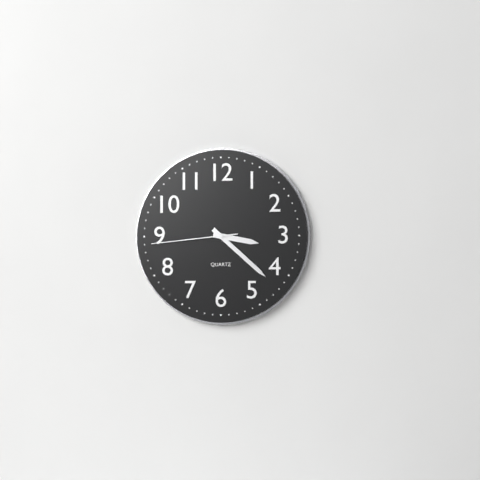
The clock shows 3:22:44
